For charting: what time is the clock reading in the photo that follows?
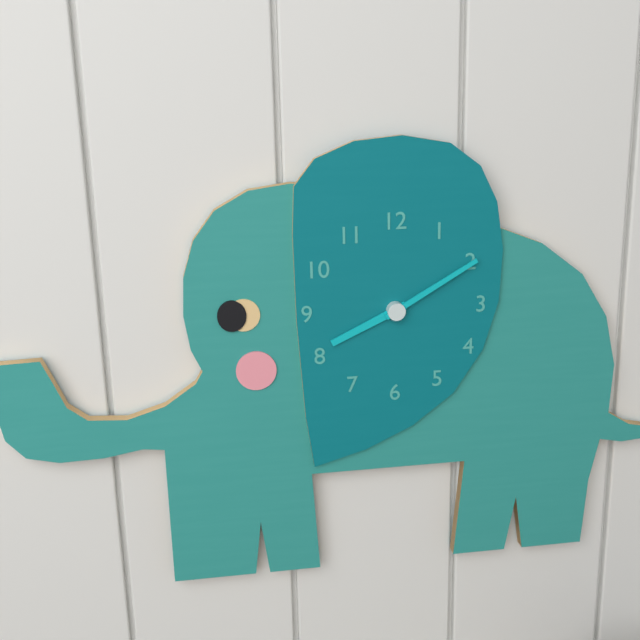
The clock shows 8:10
